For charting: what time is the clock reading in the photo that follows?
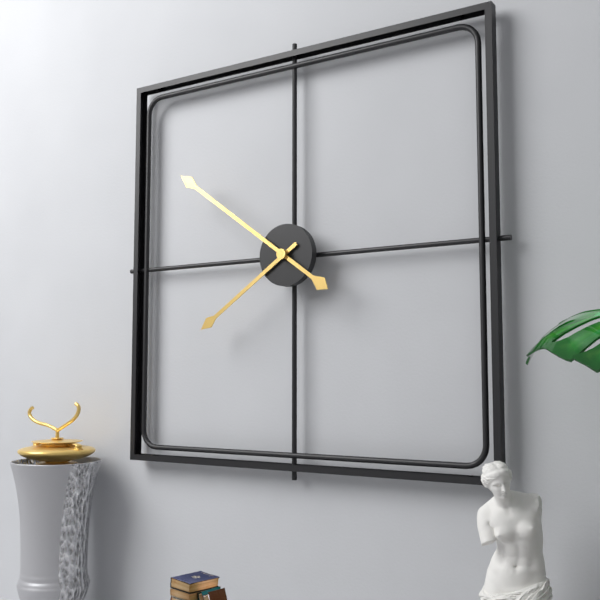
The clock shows 7:51
